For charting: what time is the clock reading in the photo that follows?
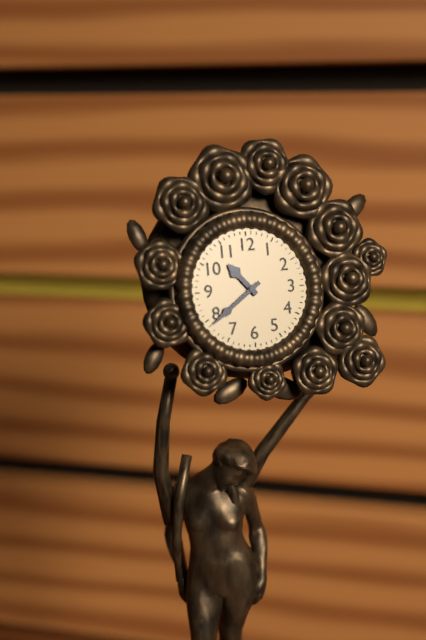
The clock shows 10:39
